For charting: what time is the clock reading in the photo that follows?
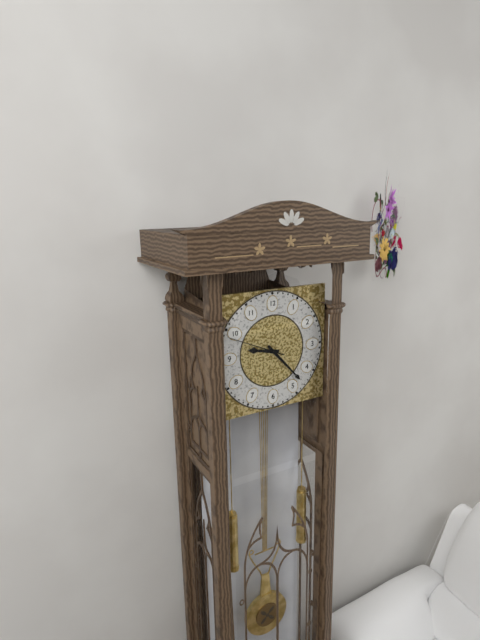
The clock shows 9:23:49
